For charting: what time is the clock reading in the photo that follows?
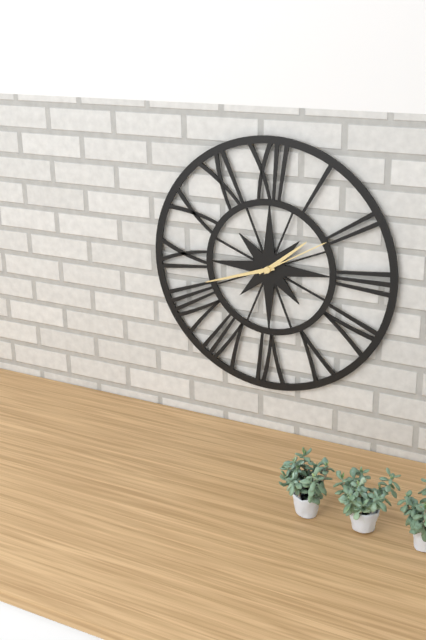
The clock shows 1:42:10
